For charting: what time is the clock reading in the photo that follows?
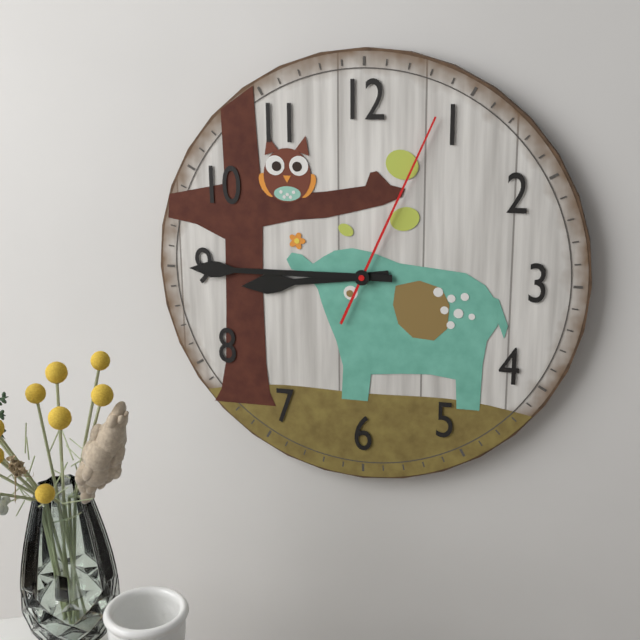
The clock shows 8:45:04
